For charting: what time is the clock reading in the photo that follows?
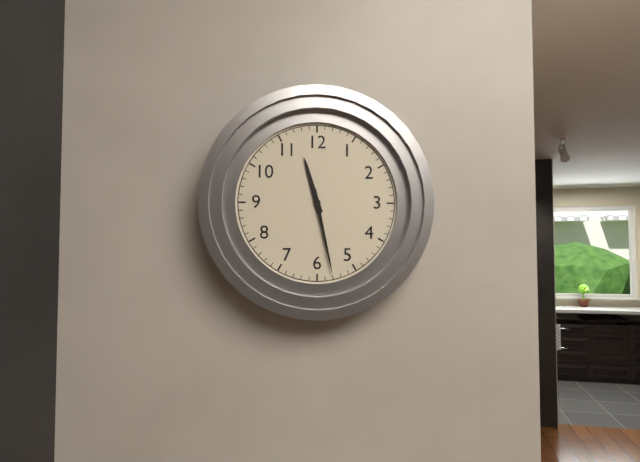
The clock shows 11:28
